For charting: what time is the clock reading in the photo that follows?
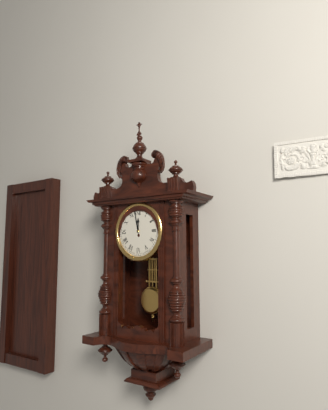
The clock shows 11:58
